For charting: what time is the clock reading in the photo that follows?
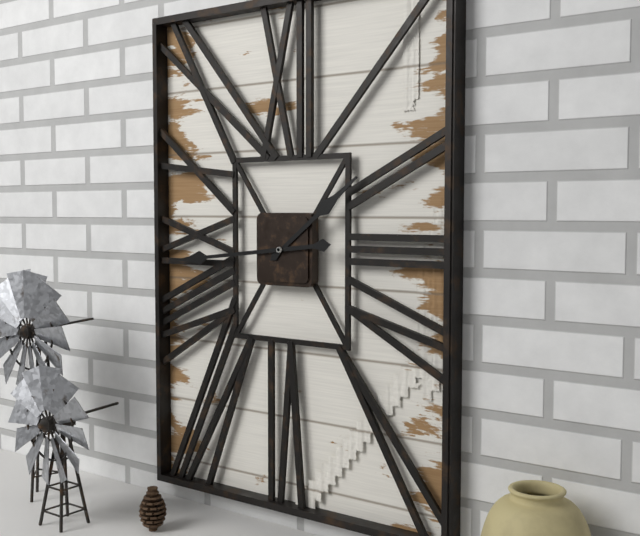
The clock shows 1:44
